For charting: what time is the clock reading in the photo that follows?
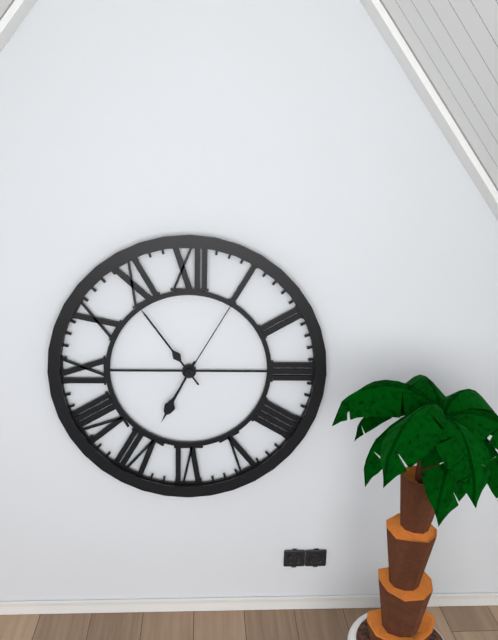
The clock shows 6:54:05
